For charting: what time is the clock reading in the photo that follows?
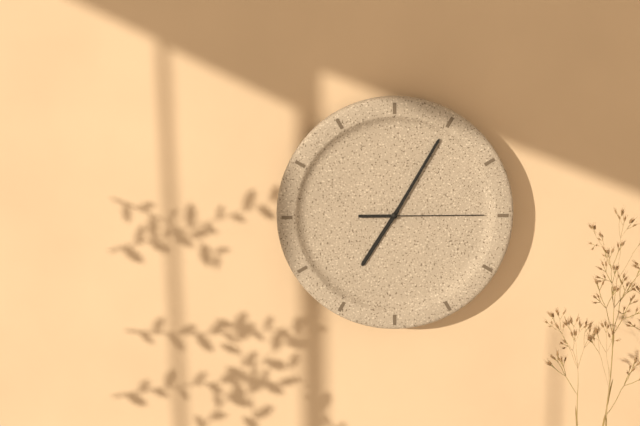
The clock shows 7:05:15
